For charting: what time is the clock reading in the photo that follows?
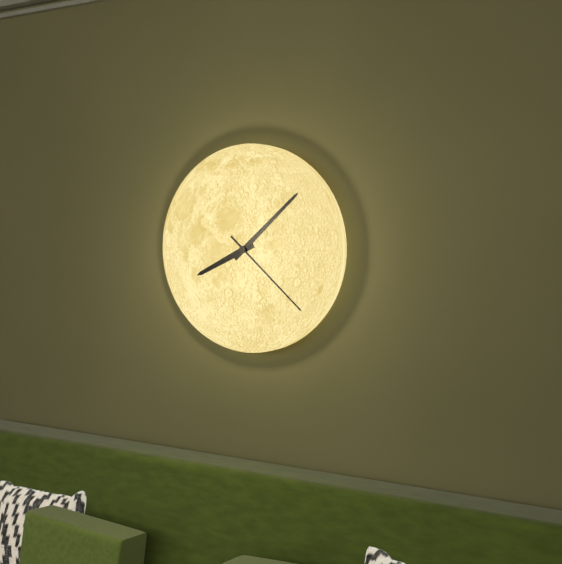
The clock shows 8:08:22
